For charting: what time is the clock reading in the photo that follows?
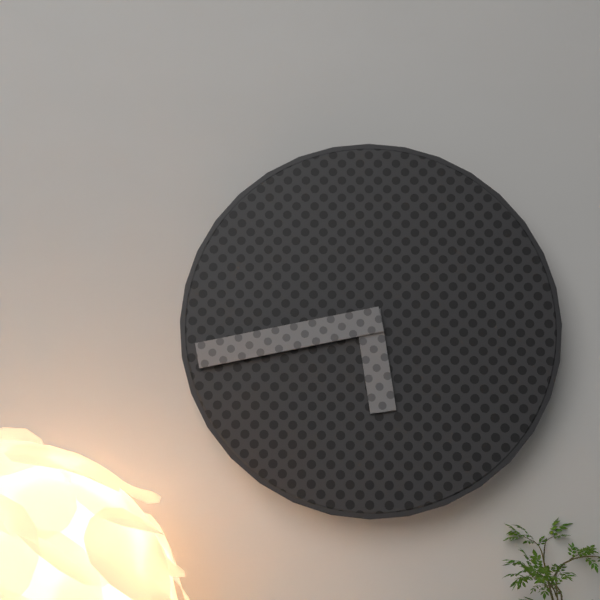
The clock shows 5:43
